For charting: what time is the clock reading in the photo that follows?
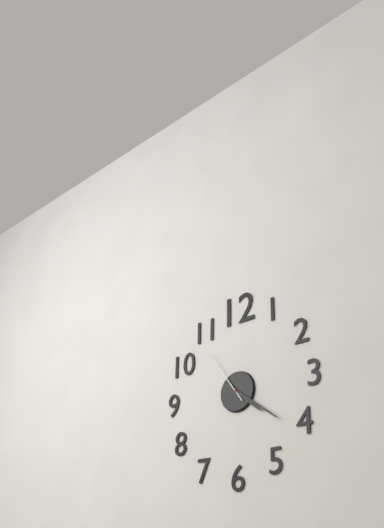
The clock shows 4:21:54
